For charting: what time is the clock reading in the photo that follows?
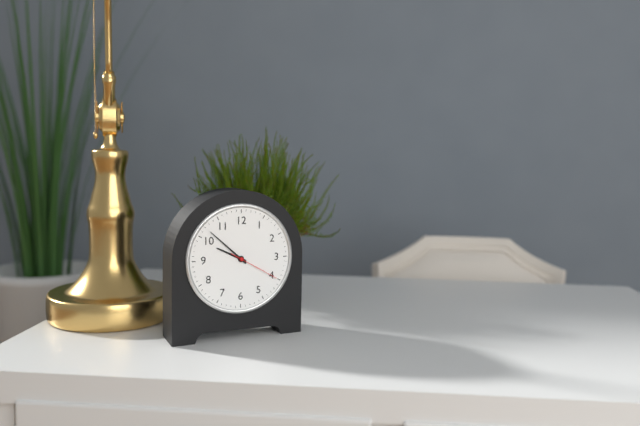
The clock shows 9:52:20
